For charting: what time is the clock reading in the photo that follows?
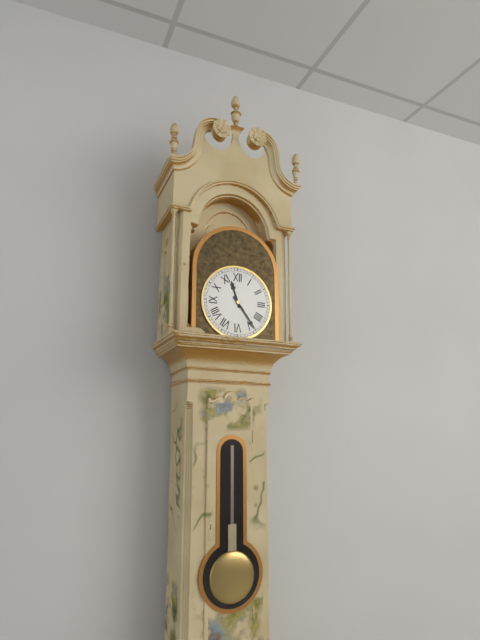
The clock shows 11:24
